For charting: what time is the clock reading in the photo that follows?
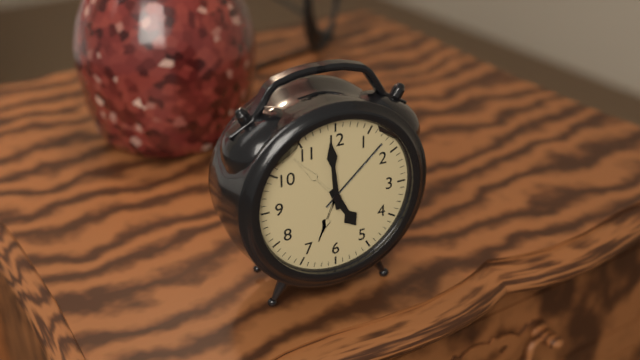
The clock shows 4:59
